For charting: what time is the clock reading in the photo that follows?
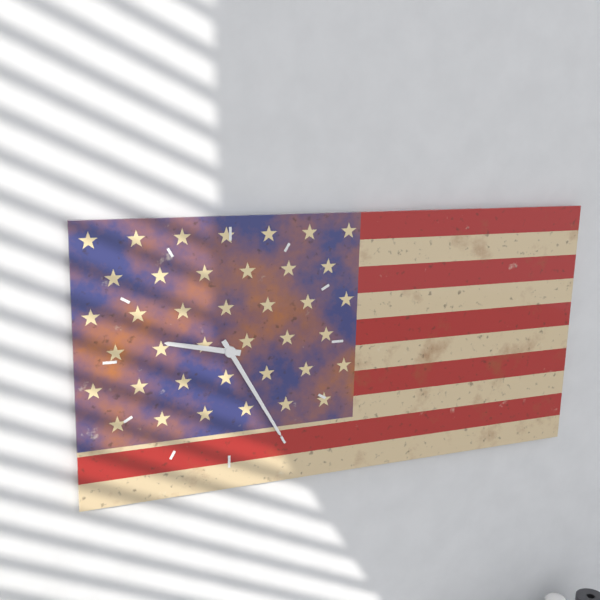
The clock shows 9:25
